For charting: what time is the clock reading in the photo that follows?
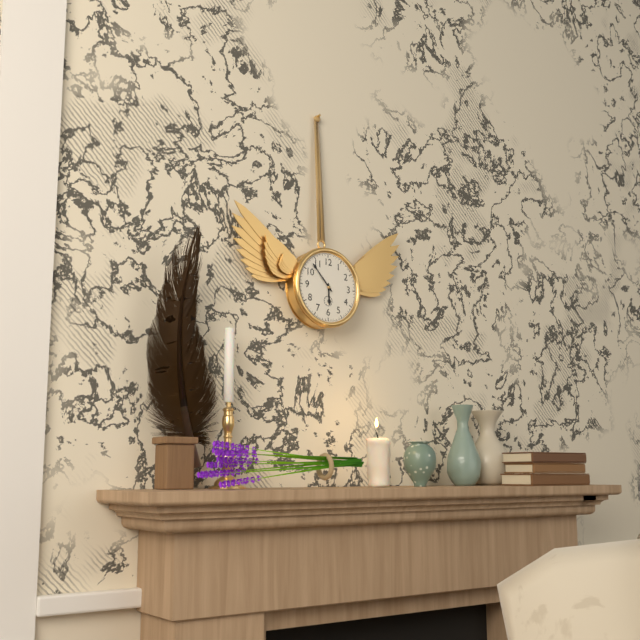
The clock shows 5:53
